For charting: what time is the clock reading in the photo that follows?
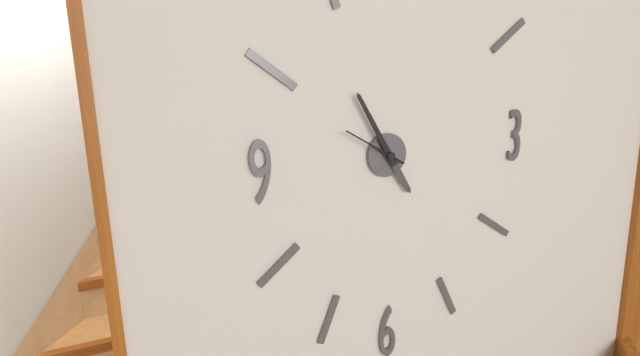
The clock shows 4:55:50
